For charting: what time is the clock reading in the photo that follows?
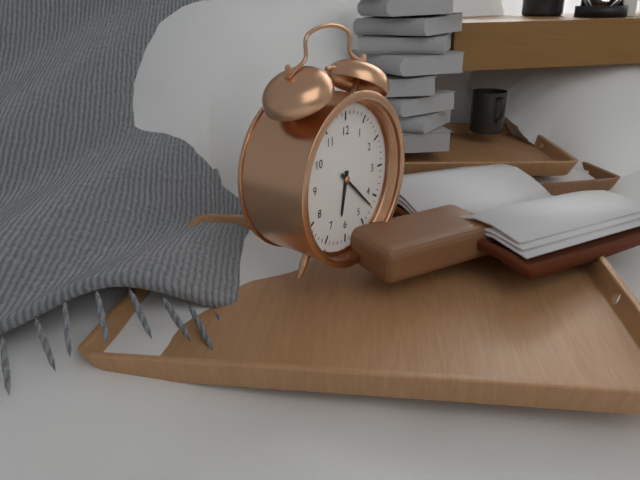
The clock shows 6:22
